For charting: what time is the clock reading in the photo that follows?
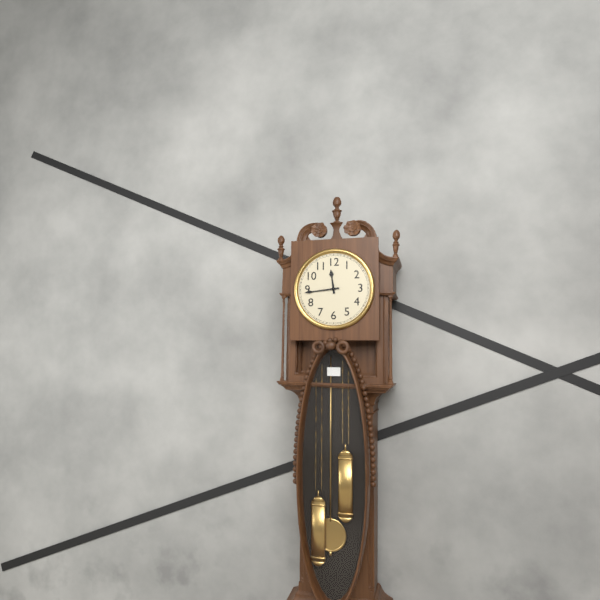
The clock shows 11:44
